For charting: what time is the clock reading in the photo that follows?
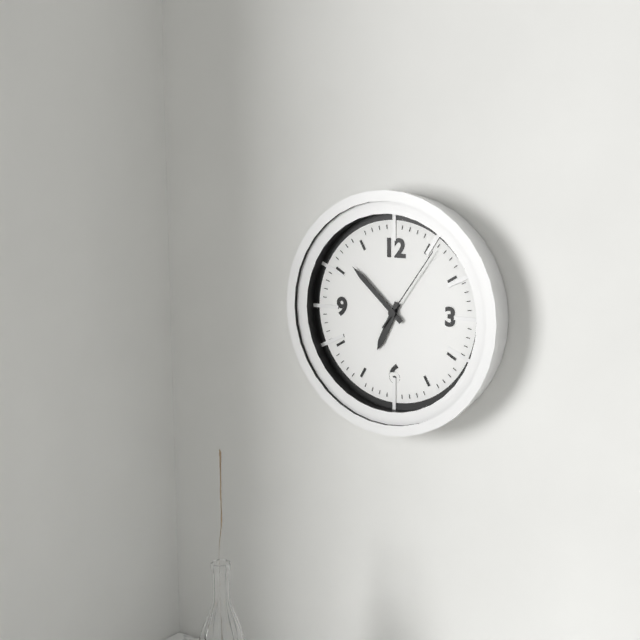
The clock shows 6:52:06
